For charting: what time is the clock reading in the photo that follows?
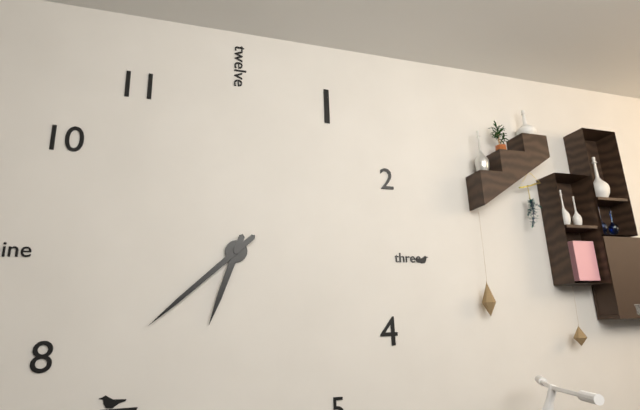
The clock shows 6:38
